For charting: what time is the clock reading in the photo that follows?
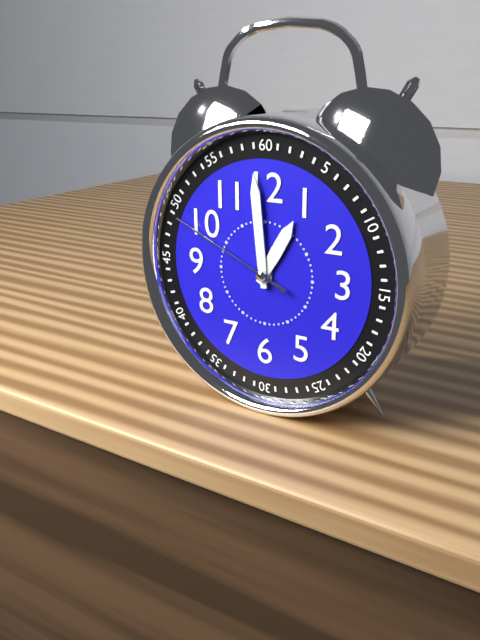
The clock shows 12:59:49
